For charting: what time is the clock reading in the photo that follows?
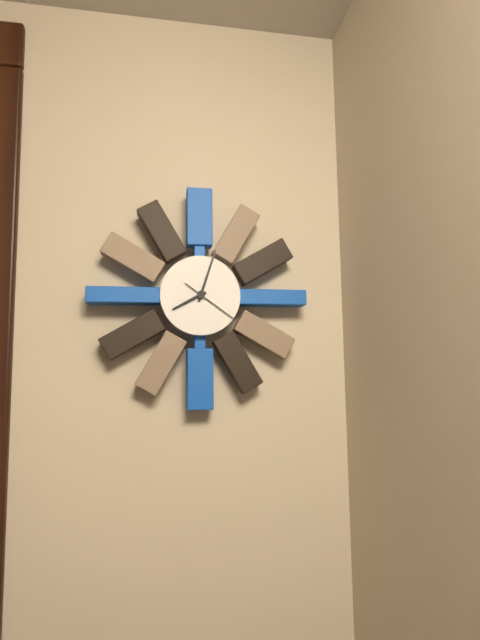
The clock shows 8:03:21
